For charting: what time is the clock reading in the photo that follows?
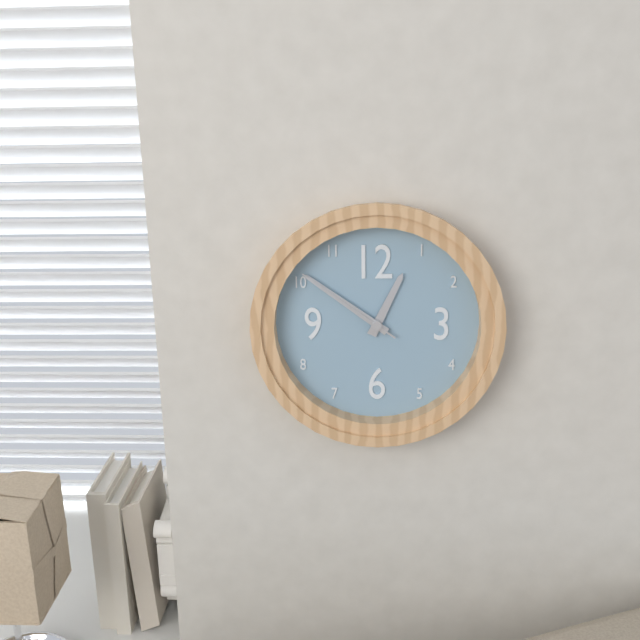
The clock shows 12:51:51
